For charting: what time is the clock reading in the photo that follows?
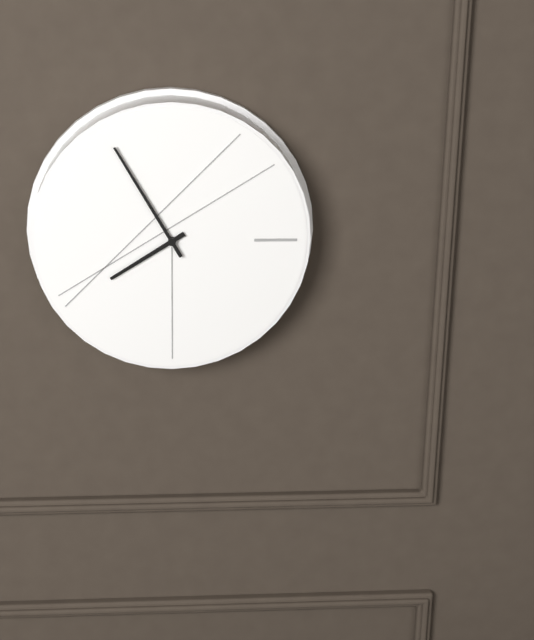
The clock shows 7:55
